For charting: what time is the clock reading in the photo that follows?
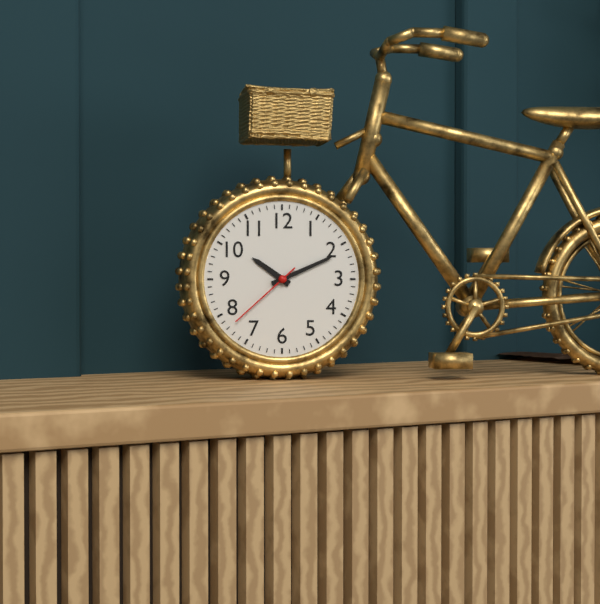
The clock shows 10:11:38
